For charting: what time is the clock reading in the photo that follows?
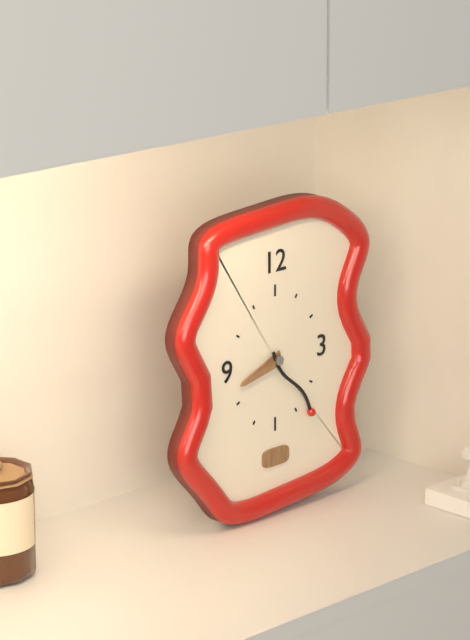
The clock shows 8:24
